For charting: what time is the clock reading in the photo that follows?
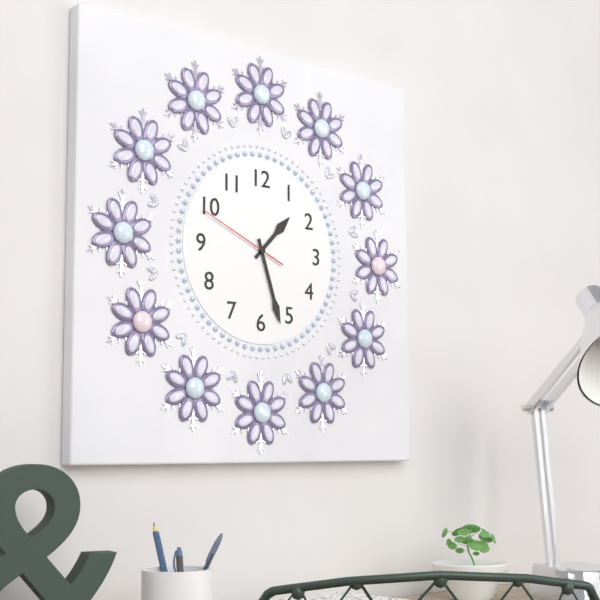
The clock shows 1:27:49
